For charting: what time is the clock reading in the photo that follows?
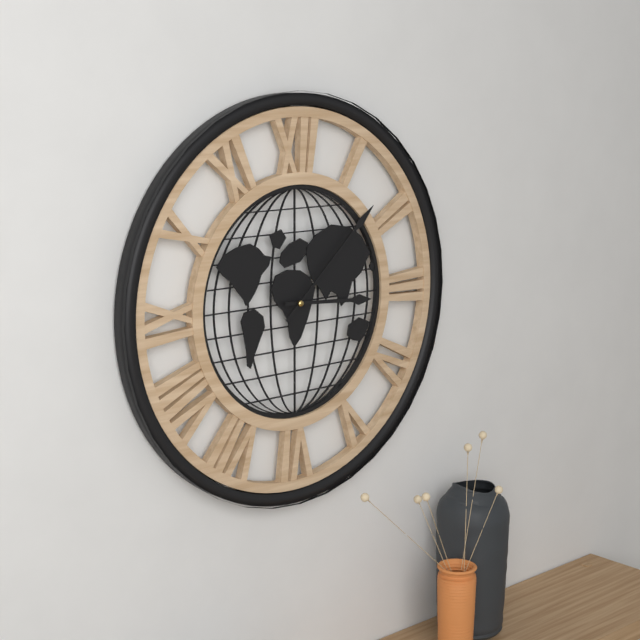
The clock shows 3:08
